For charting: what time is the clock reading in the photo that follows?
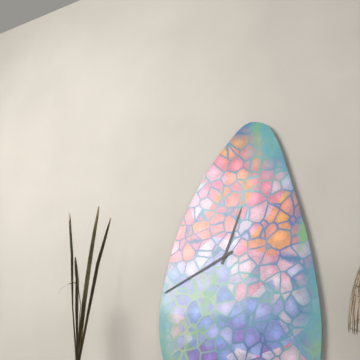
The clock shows 12:41
